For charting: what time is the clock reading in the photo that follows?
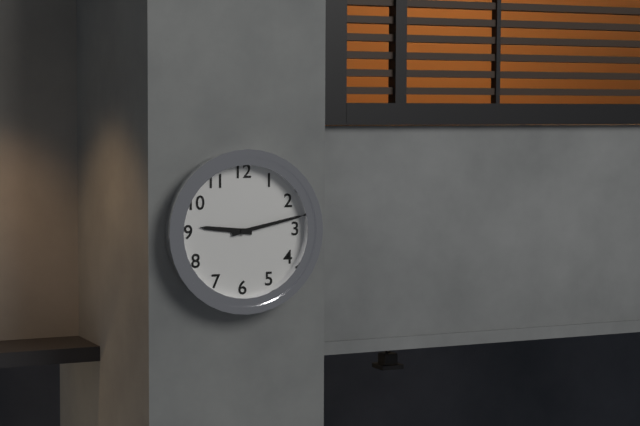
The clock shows 9:13
